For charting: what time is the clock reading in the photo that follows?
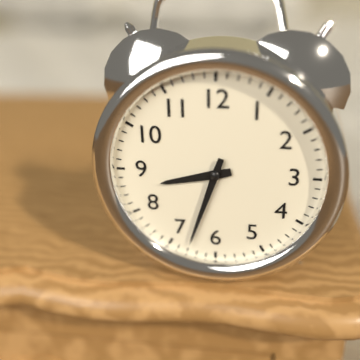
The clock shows 8:33
